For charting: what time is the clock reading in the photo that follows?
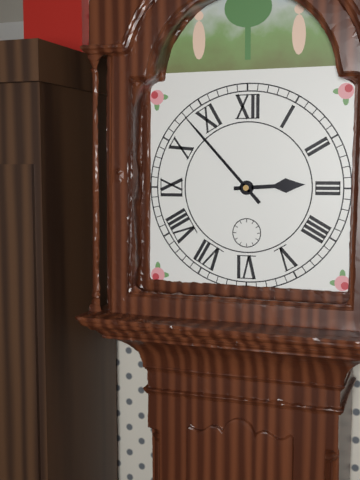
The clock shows 2:53
